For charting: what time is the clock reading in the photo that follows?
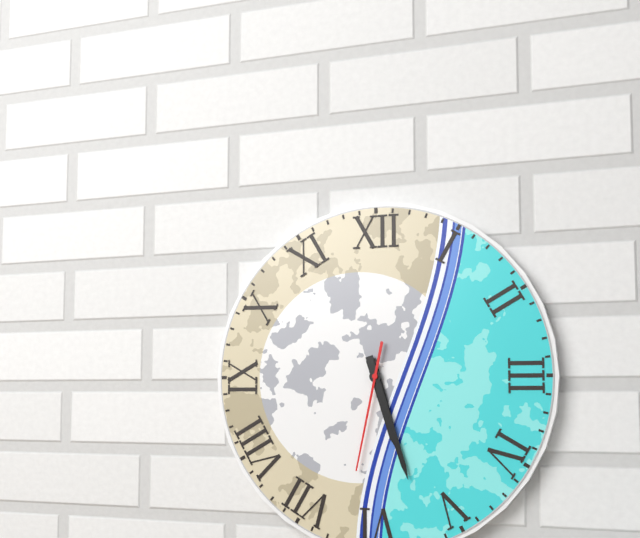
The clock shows 5:27:32
